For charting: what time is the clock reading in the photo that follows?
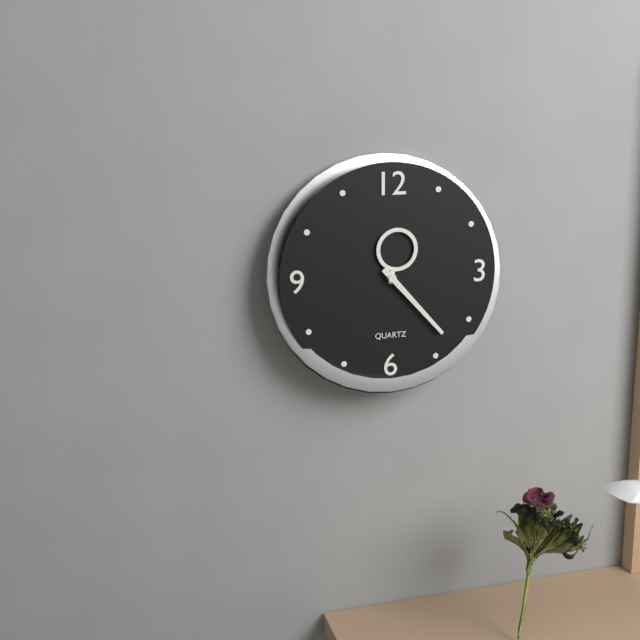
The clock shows 12:23
